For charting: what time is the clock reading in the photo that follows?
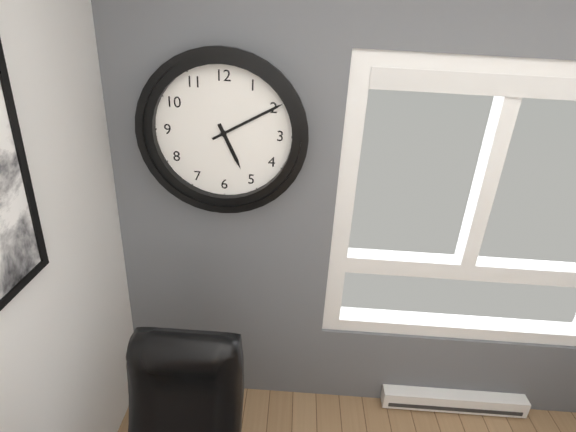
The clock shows 5:10
